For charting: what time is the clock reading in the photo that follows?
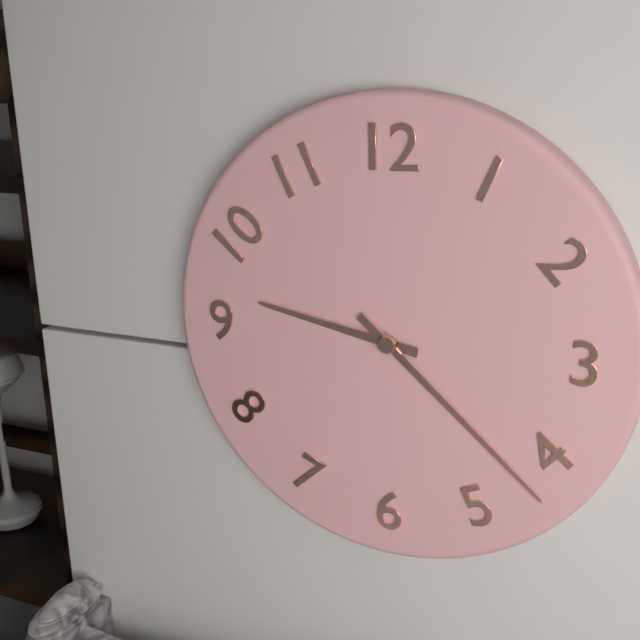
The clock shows 9:22
